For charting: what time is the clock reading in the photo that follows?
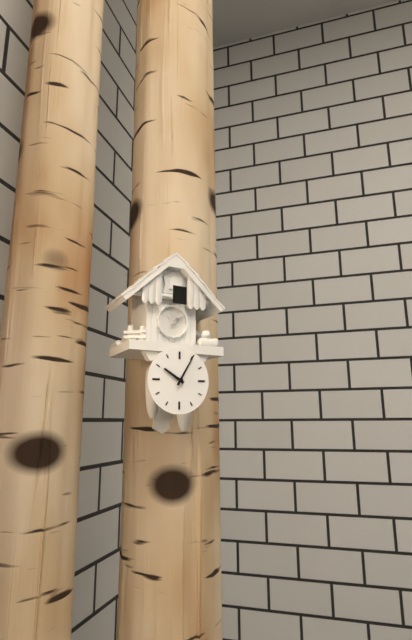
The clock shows 10:05
